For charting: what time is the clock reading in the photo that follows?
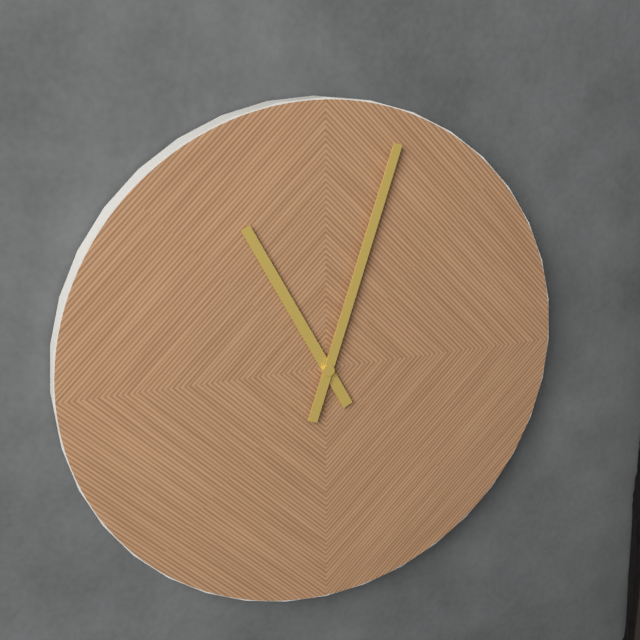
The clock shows 11:03
